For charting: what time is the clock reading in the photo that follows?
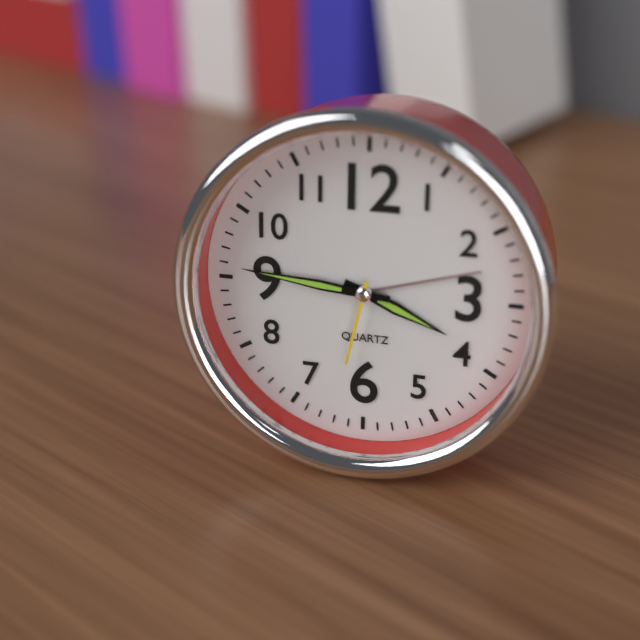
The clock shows 3:46:32
